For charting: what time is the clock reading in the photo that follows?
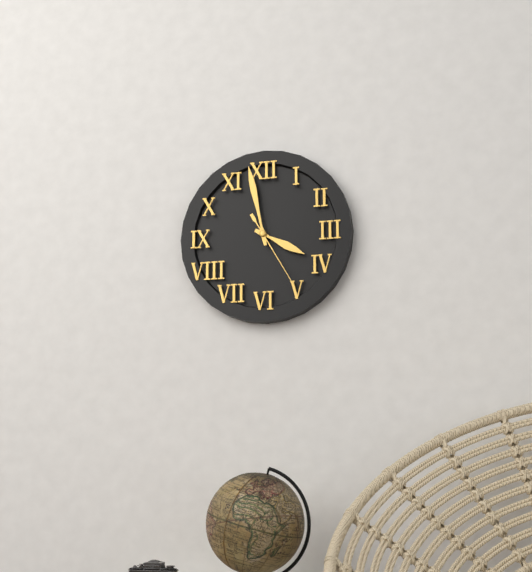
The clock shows 3:58:25
